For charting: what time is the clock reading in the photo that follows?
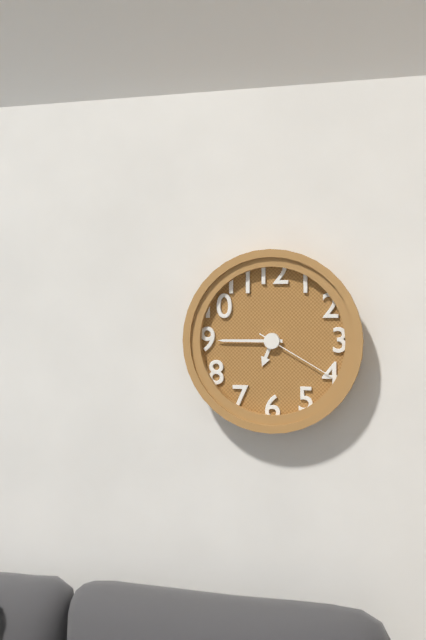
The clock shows 6:45:20
